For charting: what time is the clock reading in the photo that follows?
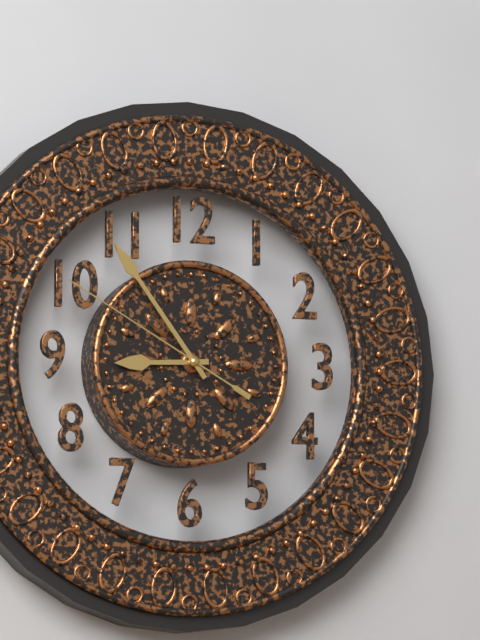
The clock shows 8:54:50
